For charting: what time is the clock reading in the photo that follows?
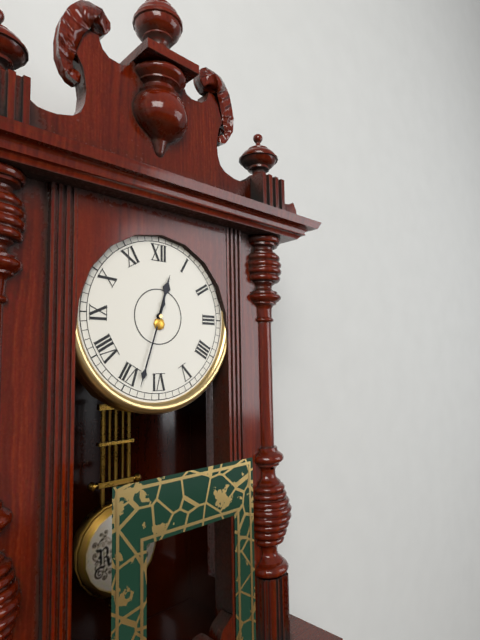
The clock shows 12:33
